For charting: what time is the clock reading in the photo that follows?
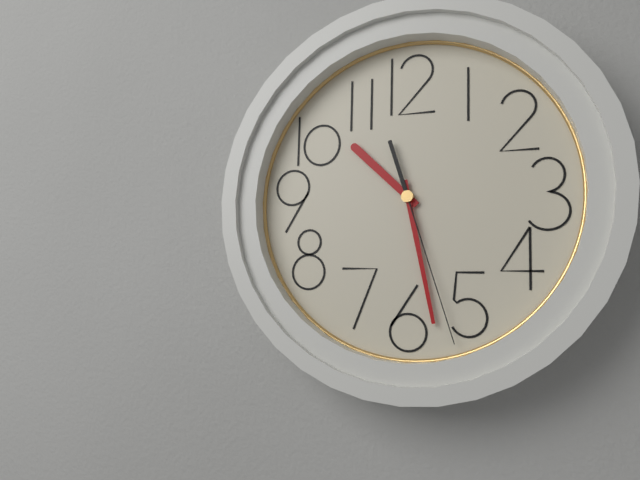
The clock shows 10:28:27
